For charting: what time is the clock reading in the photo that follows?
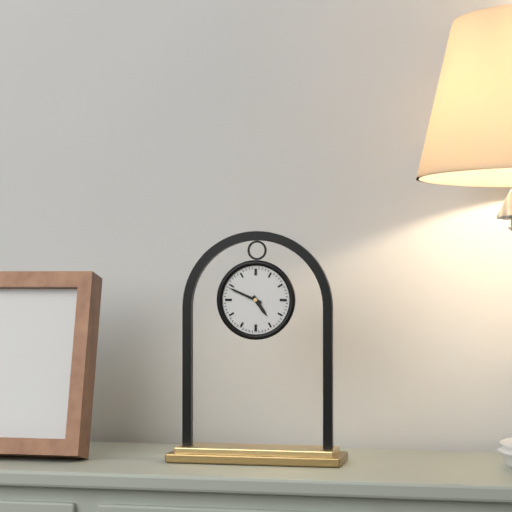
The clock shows 4:49
